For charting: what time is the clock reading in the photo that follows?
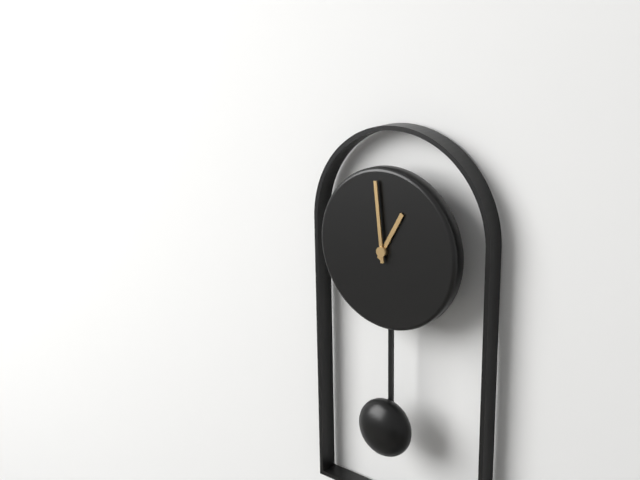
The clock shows 12:59
